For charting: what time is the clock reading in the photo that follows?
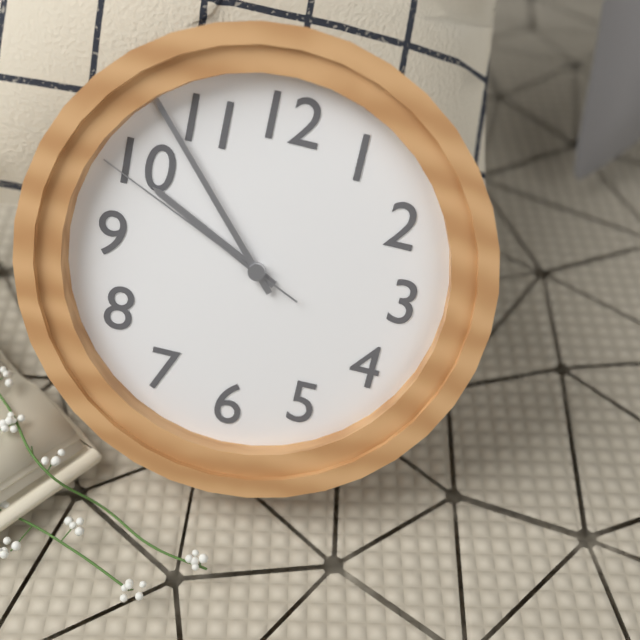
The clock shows 9:53:49
